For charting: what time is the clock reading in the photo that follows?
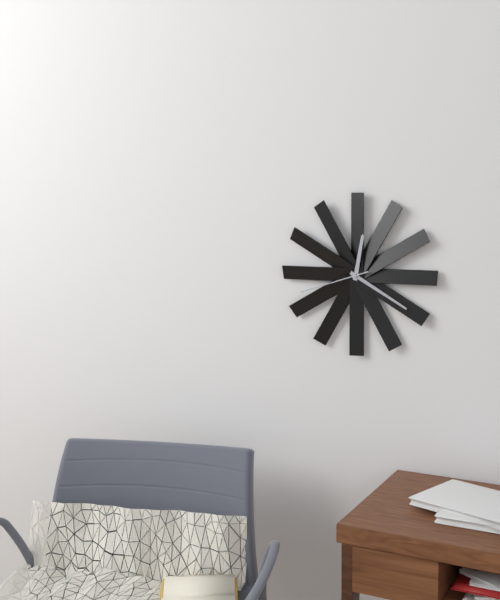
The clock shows 12:20:42
